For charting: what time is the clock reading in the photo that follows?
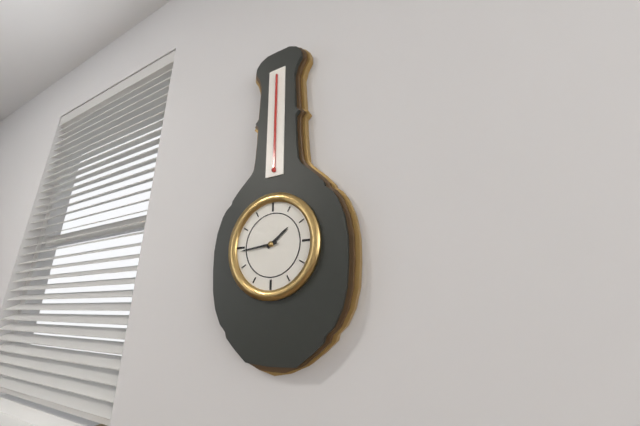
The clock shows 1:44
